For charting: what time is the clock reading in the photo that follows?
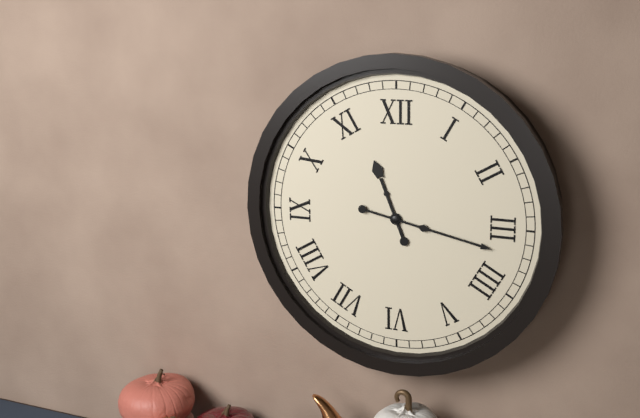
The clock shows 11:17
